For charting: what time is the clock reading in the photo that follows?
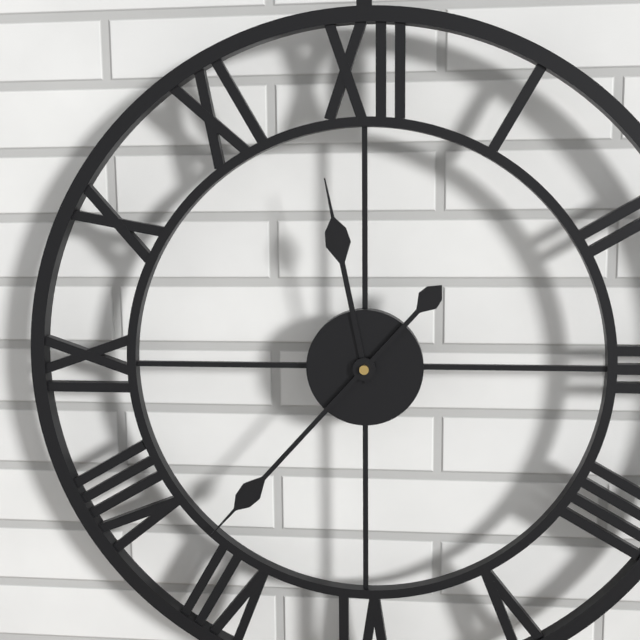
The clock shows 11:37
